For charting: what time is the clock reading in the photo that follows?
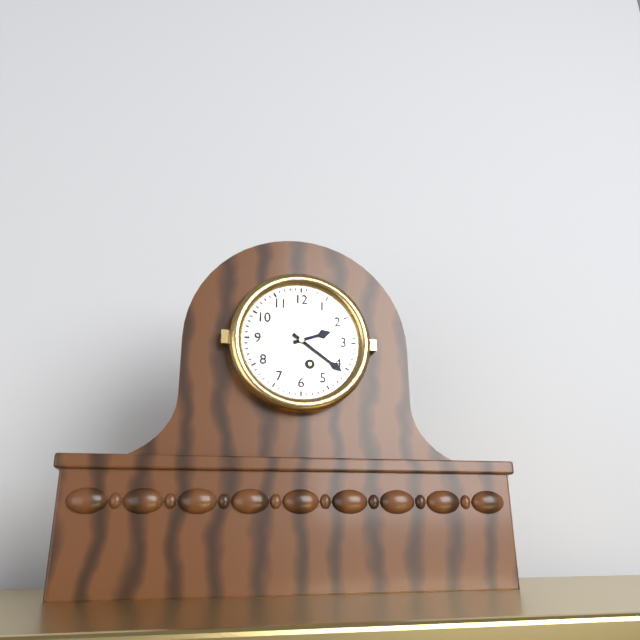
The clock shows 2:21
